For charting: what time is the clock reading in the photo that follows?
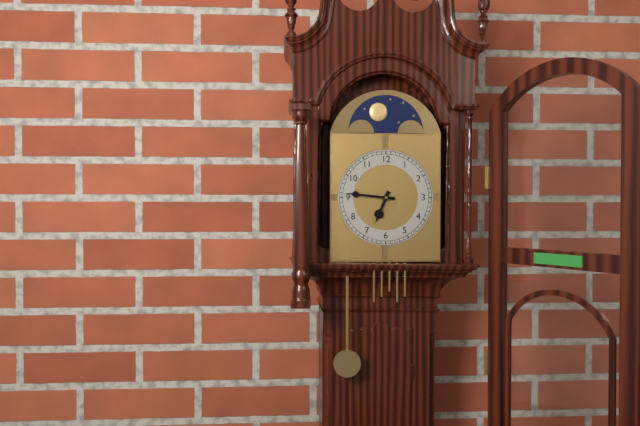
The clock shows 6:46
